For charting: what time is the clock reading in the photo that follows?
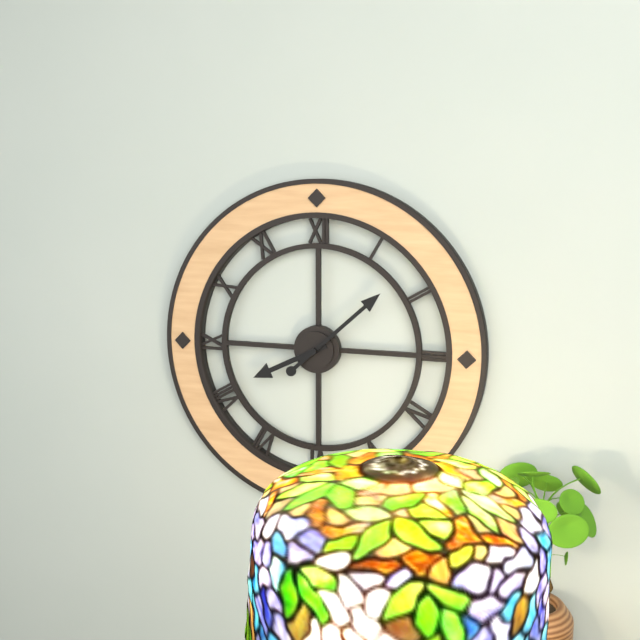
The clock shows 8:08
